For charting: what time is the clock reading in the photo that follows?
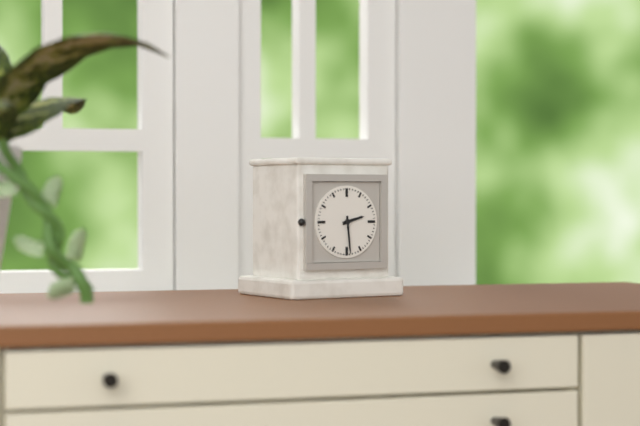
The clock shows 2:29
